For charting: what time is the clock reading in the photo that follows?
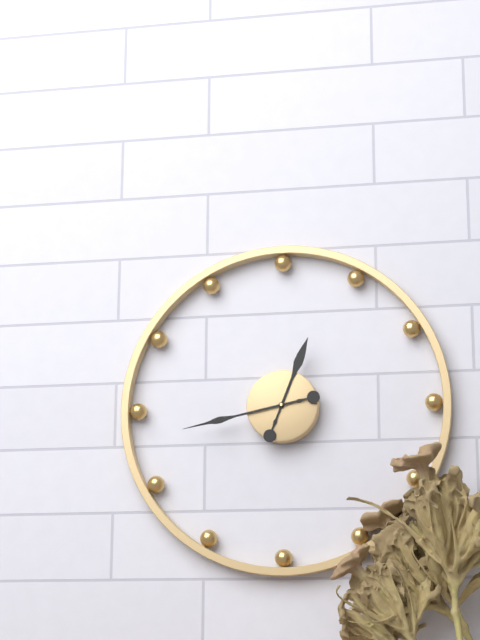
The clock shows 12:43
